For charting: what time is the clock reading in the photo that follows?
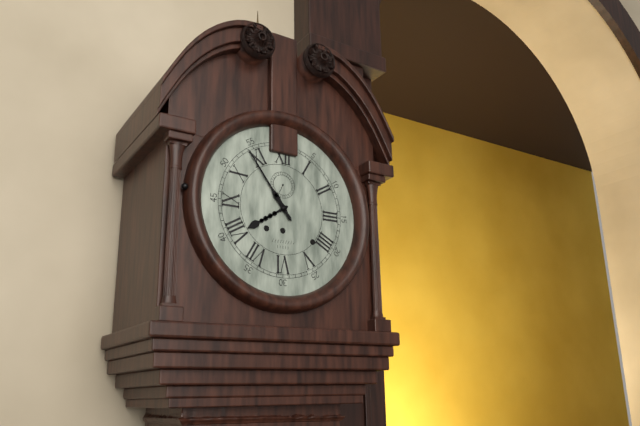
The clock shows 7:54
